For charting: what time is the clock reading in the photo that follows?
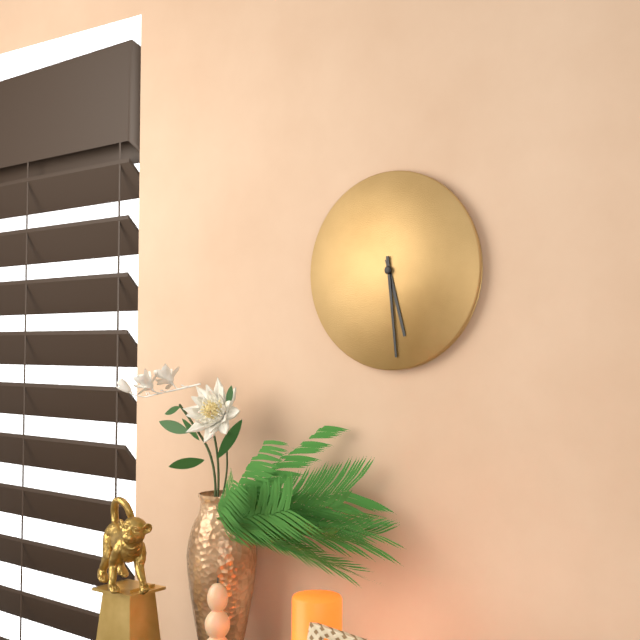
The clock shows 5:29
